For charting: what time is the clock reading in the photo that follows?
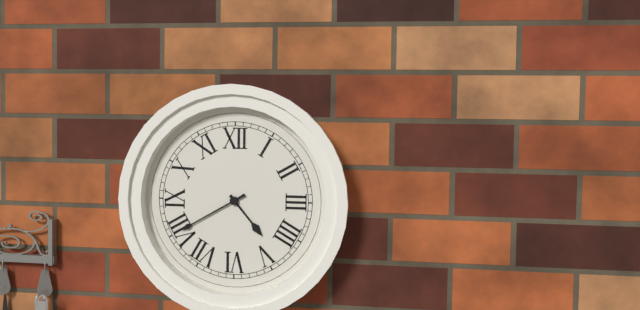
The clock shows 4:40
